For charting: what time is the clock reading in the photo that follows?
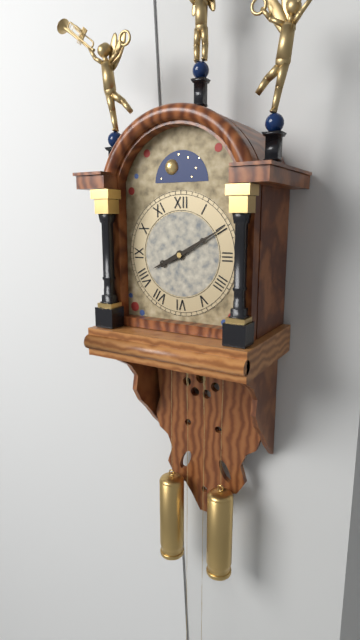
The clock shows 8:10
